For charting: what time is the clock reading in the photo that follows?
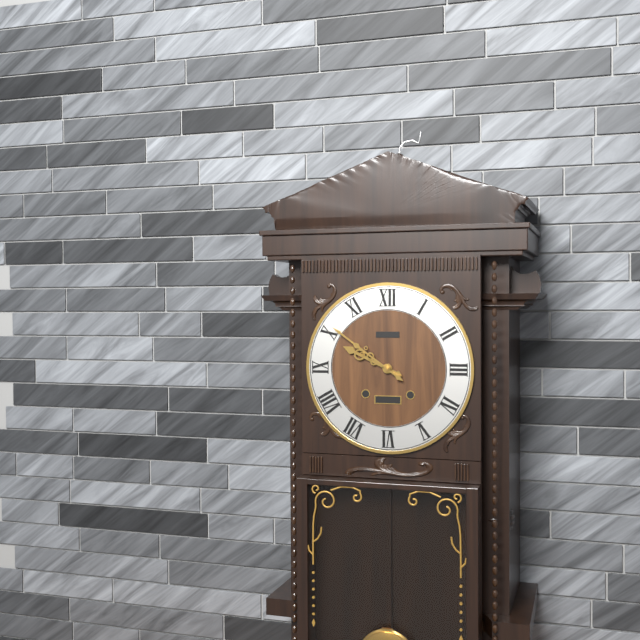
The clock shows 9:51
